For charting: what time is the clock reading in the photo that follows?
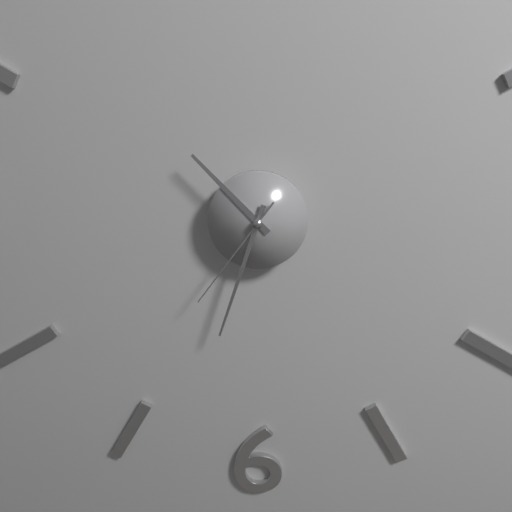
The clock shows 10:33:36
